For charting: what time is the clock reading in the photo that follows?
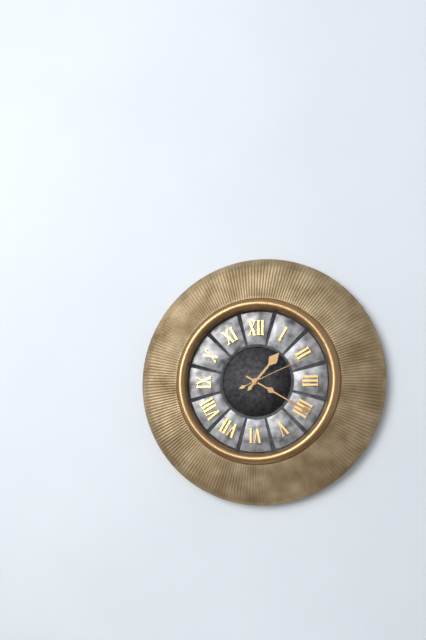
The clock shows 1:20:11
